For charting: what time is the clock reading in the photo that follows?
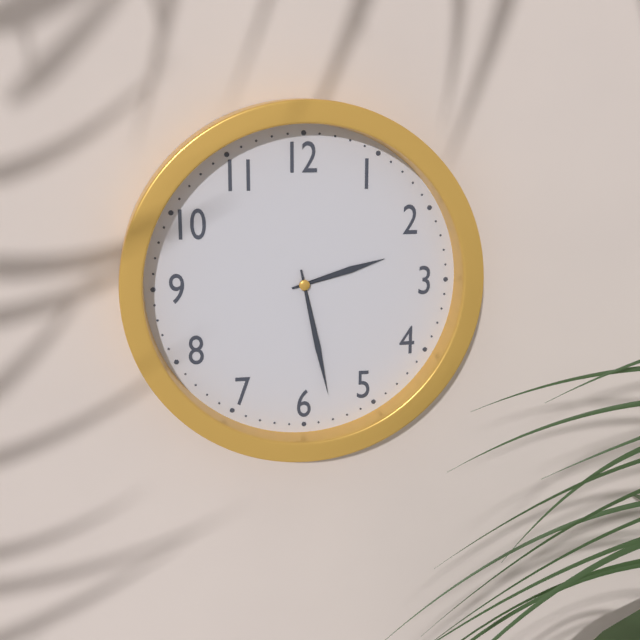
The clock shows 2:28
